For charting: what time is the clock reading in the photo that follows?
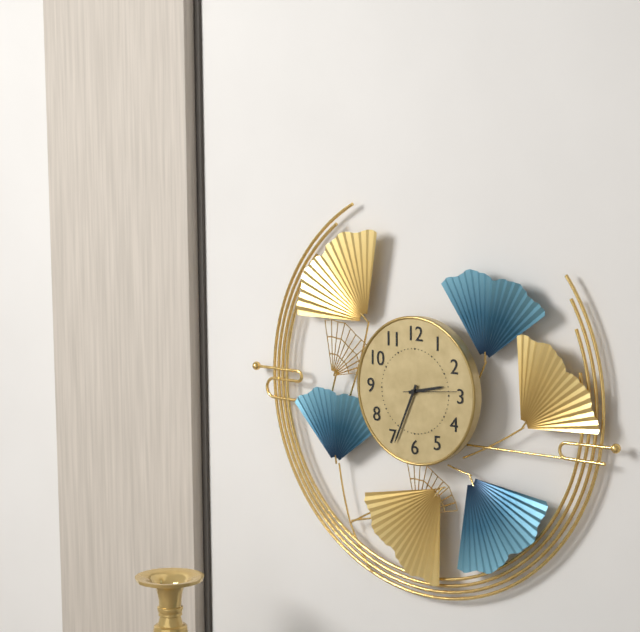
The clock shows 2:34:14
